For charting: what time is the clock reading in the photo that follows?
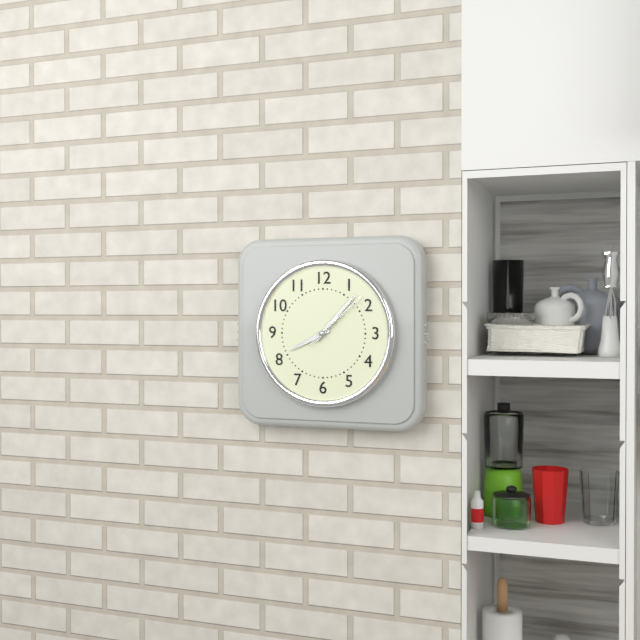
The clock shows 8:07:08
